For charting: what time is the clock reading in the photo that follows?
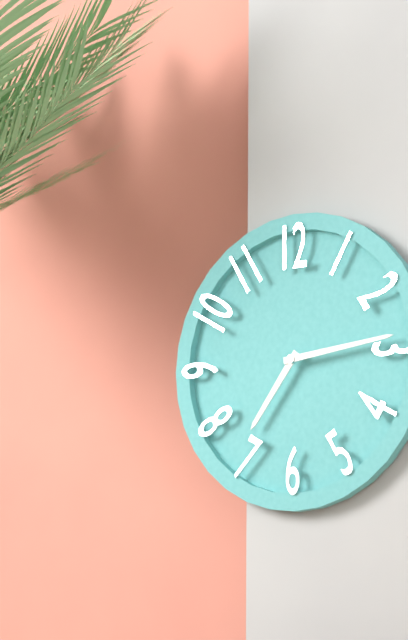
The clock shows 7:14
